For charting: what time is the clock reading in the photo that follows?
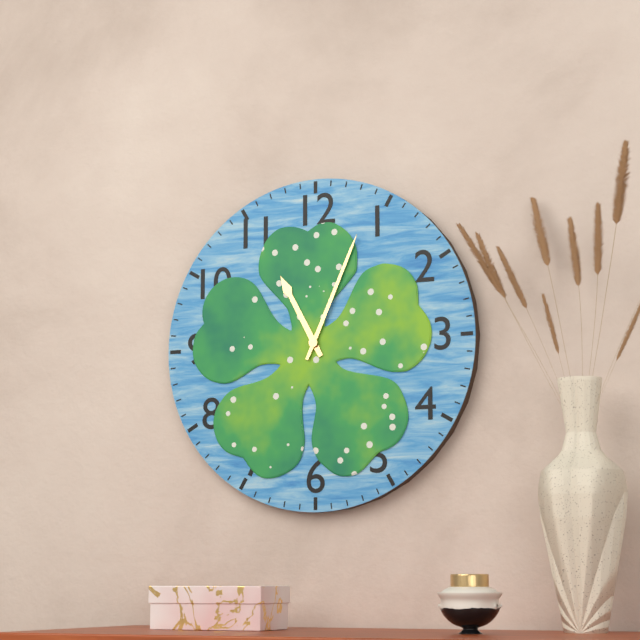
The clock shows 11:04
